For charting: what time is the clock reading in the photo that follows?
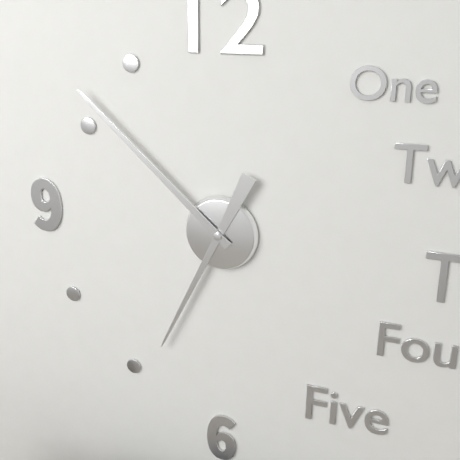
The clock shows 6:52
